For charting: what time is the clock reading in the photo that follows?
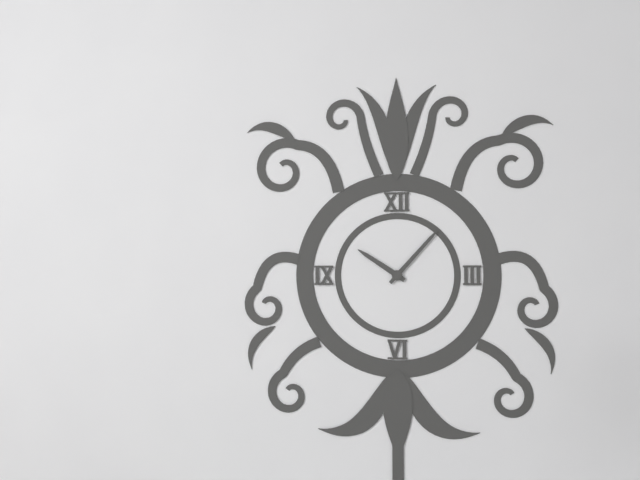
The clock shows 10:07
